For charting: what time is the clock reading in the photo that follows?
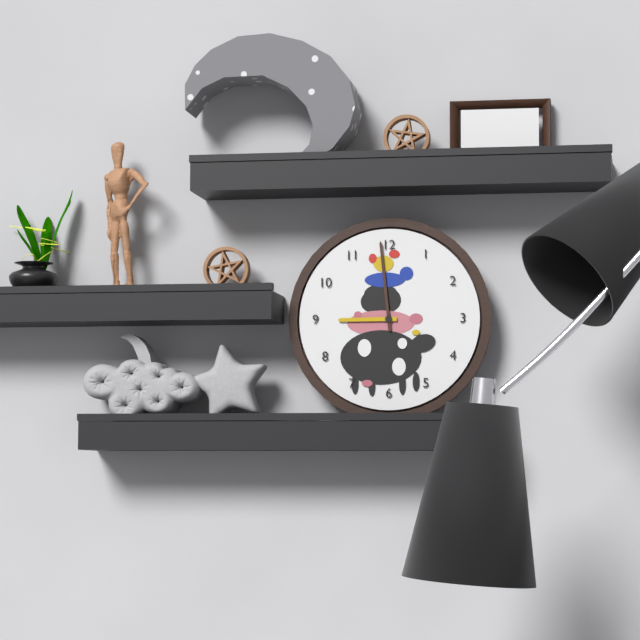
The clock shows 8:59
